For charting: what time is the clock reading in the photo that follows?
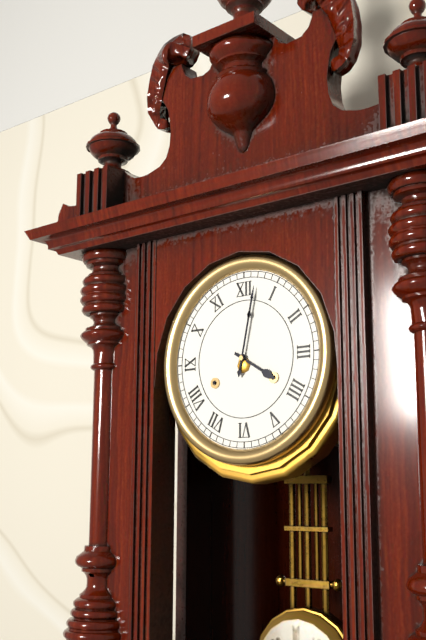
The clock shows 4:02
